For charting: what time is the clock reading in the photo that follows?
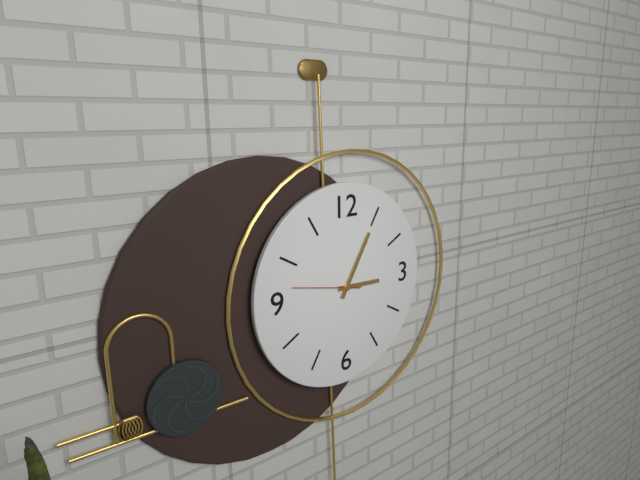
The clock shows 3:05:47
